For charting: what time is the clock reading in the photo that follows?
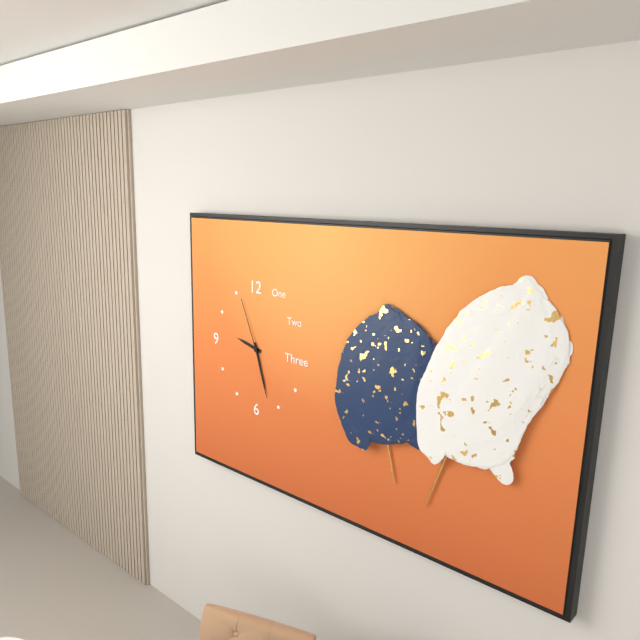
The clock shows 9:27:56
